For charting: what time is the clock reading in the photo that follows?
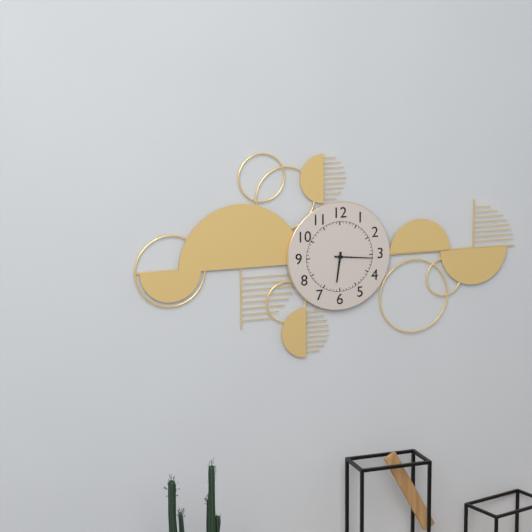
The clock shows 6:16
